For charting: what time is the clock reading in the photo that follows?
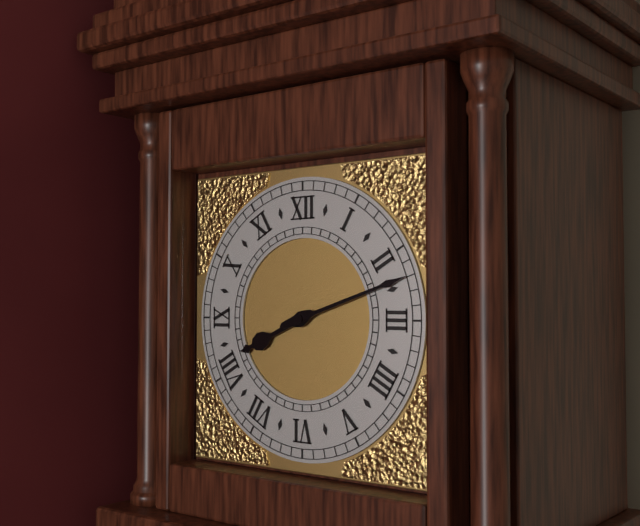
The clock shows 8:12
